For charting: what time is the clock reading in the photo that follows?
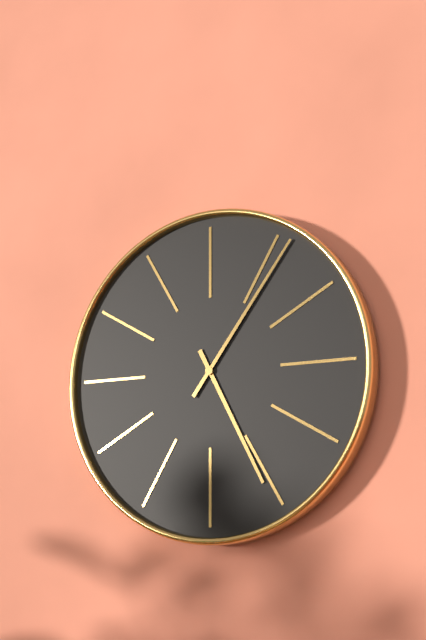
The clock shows 5:06
